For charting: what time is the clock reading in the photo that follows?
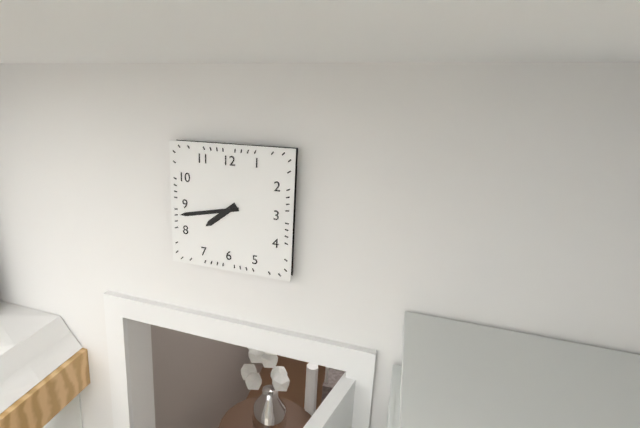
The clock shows 7:43
